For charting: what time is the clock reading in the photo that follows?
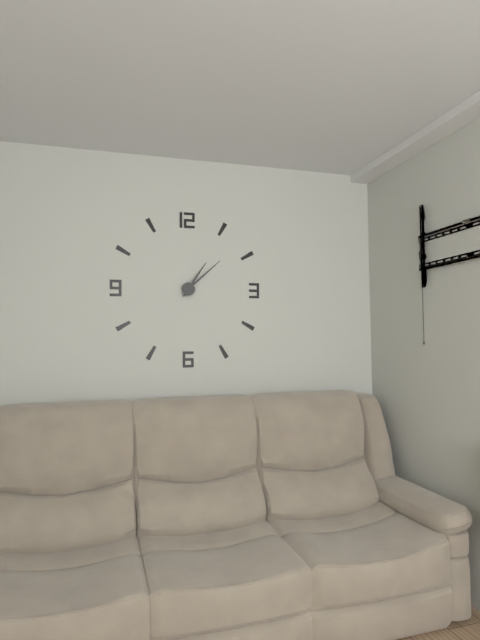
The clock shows 1:08
